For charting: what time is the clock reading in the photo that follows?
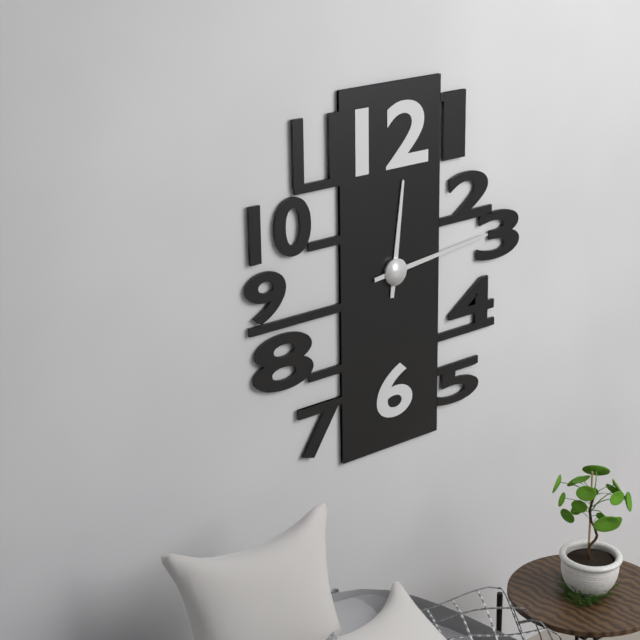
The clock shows 12:14
